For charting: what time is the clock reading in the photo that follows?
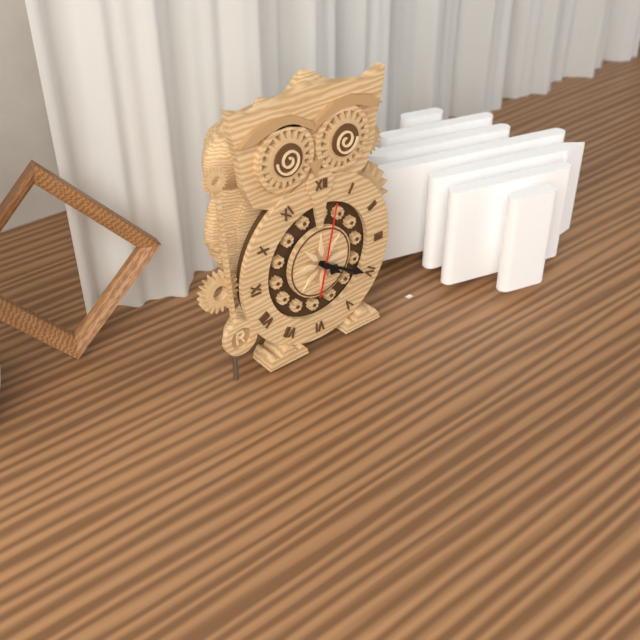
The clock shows 4:20:02
